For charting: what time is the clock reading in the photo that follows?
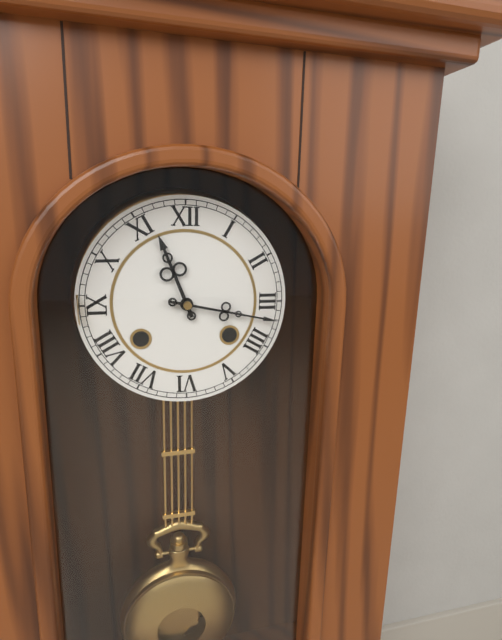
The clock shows 11:17
